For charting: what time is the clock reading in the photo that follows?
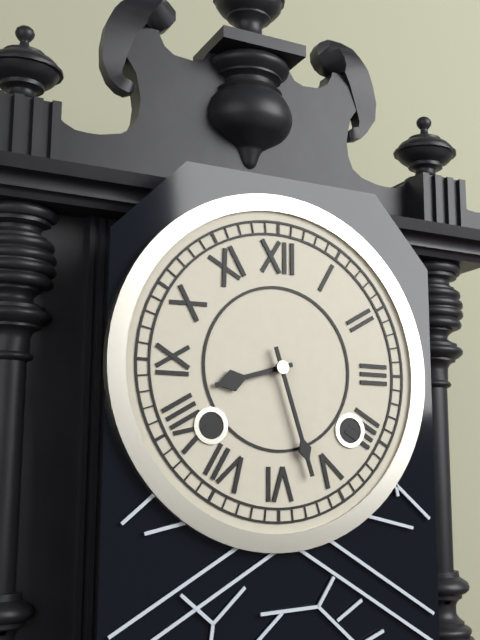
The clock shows 8:27
